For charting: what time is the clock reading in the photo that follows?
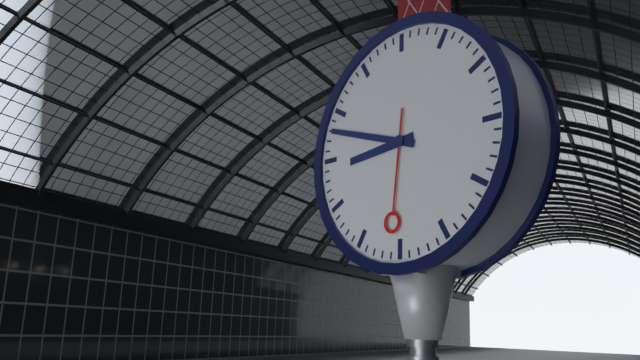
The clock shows 8:48:31
